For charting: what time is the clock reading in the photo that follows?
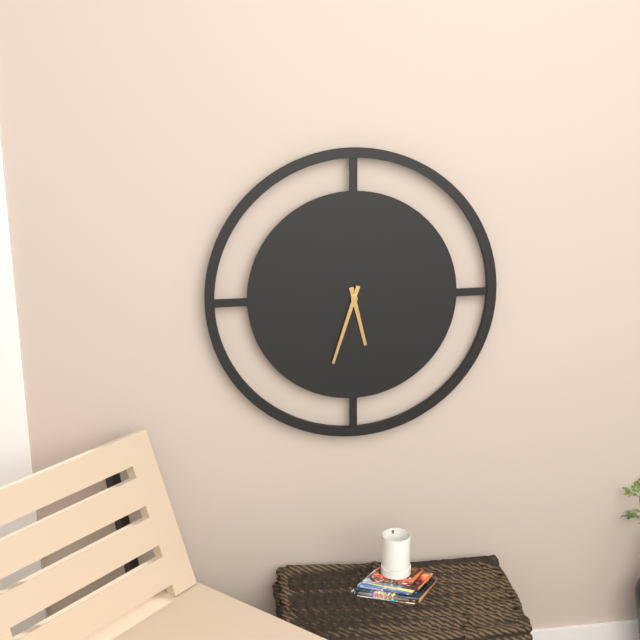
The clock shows 5:33
